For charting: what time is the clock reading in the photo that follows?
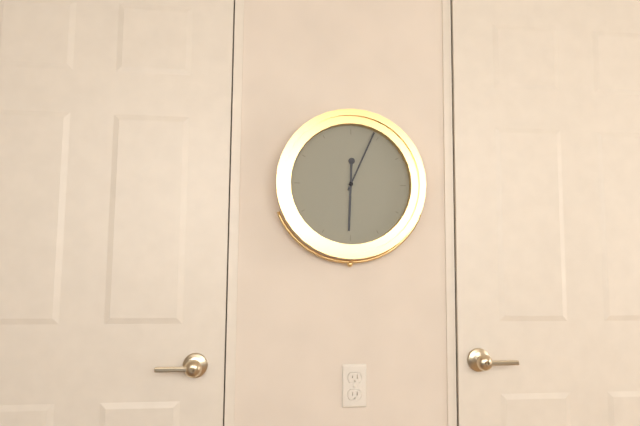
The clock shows 6:04
